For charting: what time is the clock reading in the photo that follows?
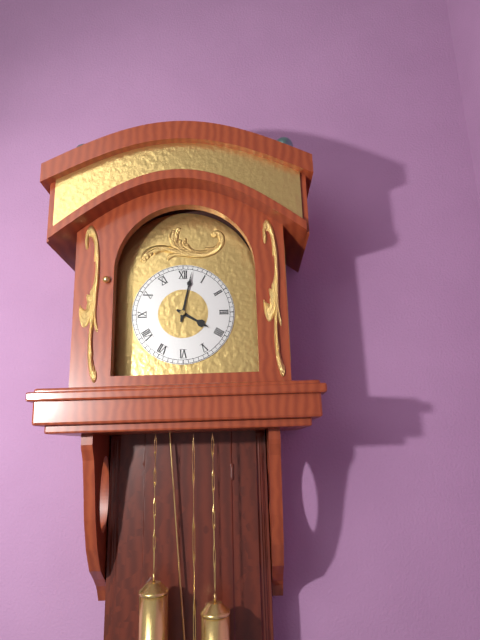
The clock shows 4:02
